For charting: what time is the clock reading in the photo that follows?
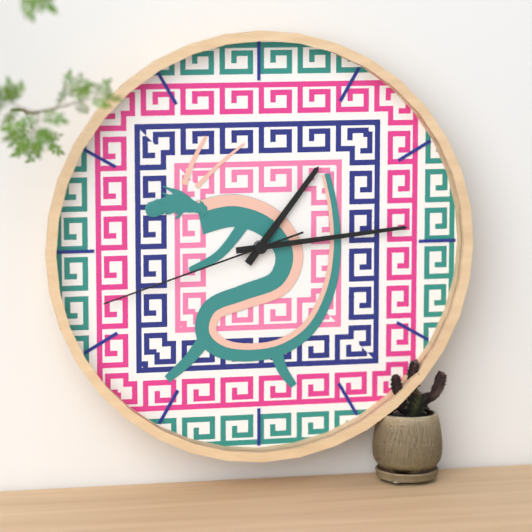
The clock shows 1:14:42
